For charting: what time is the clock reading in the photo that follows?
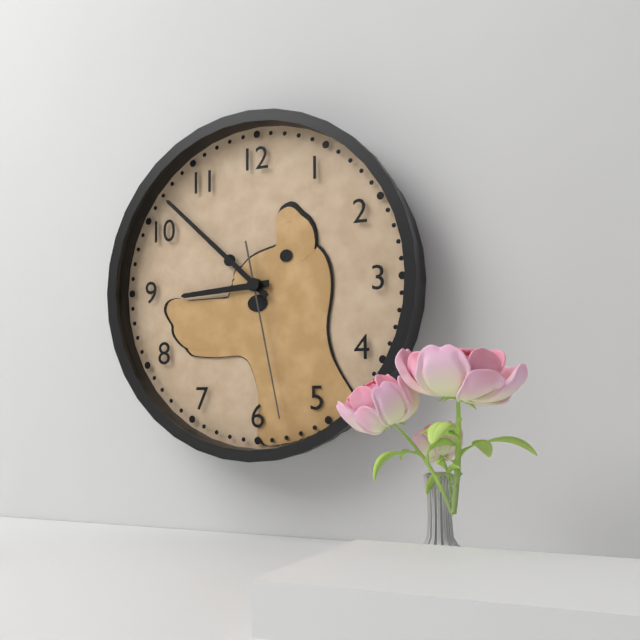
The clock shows 8:52:28
